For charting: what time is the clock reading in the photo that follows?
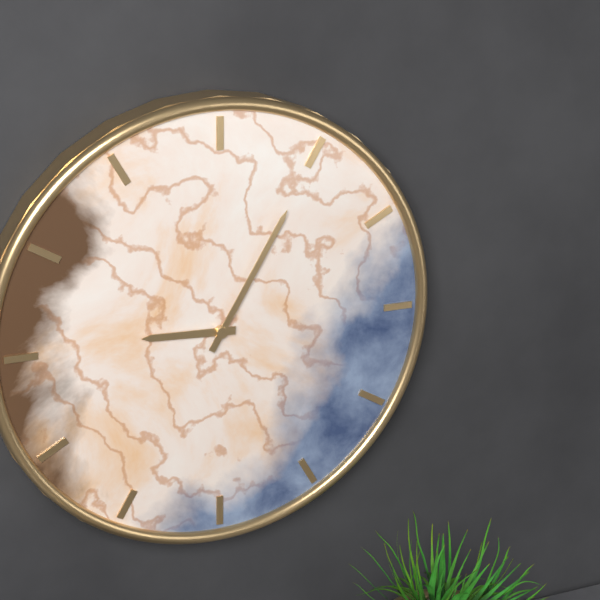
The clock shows 9:05
